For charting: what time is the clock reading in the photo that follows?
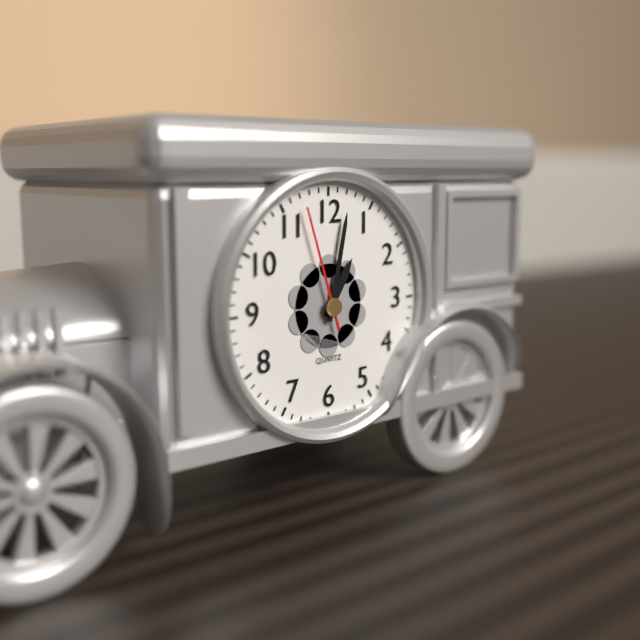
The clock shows 1:02:57
